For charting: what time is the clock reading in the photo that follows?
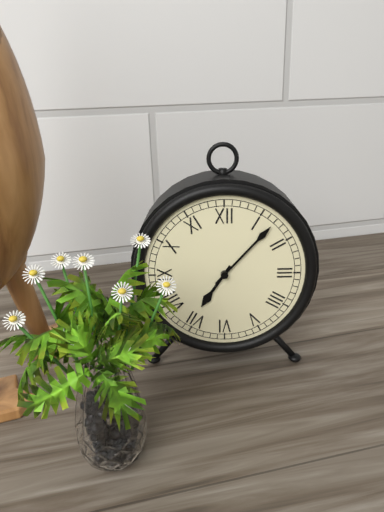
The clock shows 7:07
